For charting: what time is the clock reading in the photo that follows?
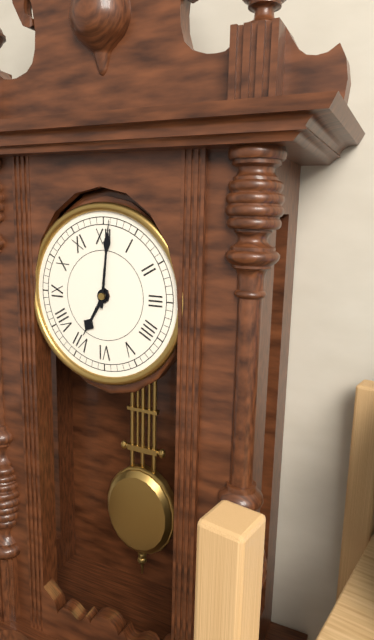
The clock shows 7:01
